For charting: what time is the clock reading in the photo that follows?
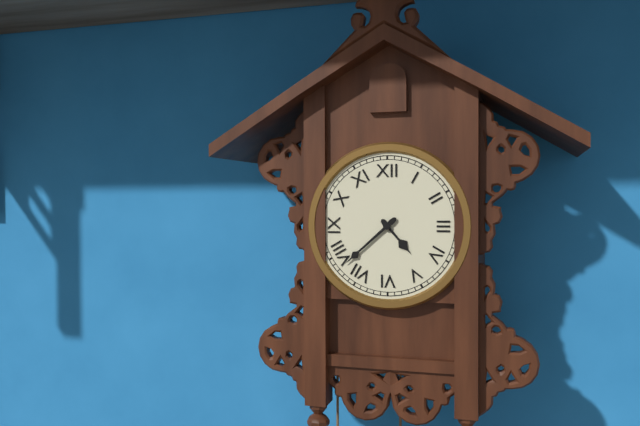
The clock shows 4:38
